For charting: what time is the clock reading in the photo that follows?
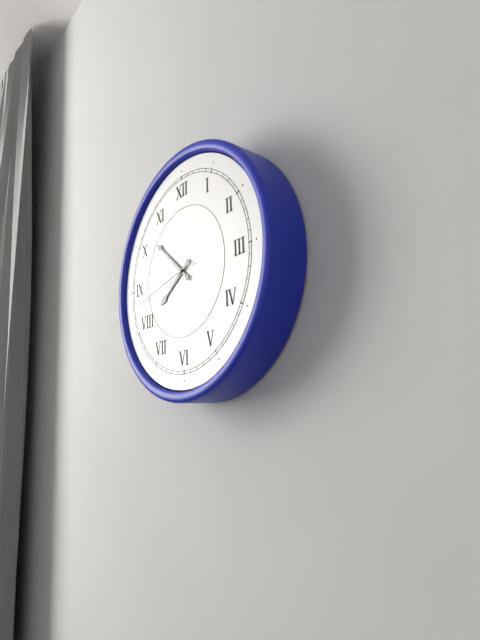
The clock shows 7:52:43
